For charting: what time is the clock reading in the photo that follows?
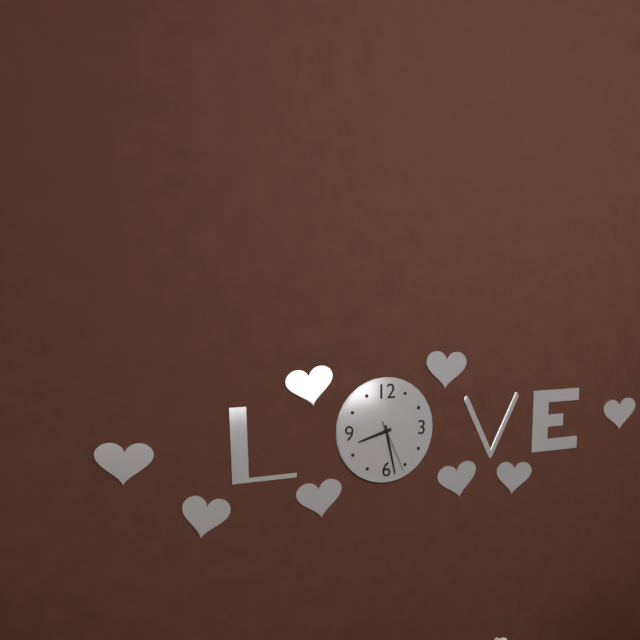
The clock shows 8:28:26
